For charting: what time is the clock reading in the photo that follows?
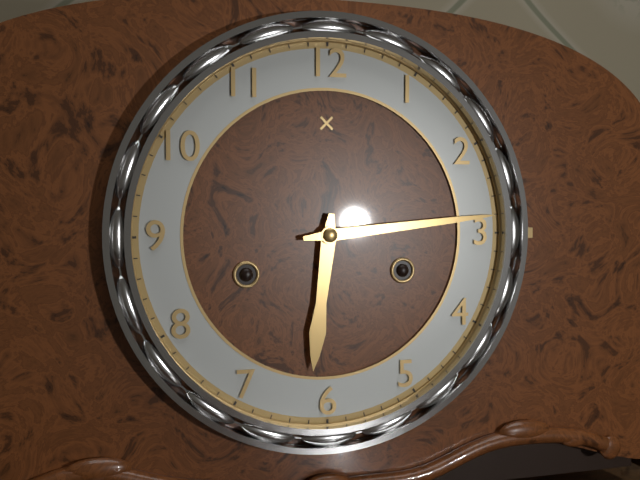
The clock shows 6:14
